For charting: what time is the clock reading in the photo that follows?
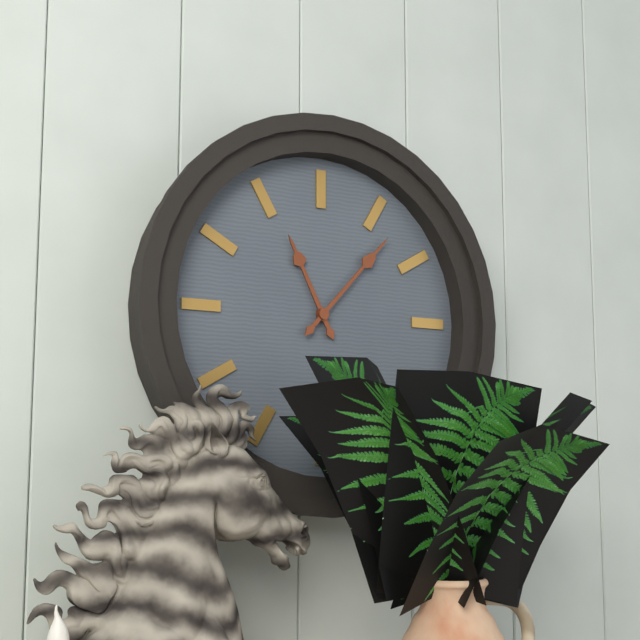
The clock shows 11:07
